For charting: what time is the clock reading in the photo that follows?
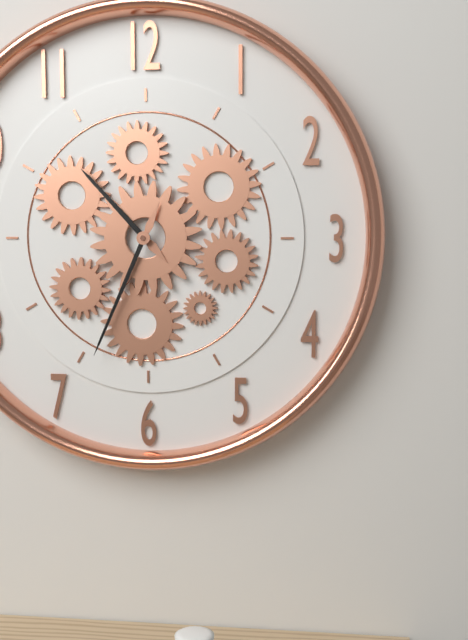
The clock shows 10:34
